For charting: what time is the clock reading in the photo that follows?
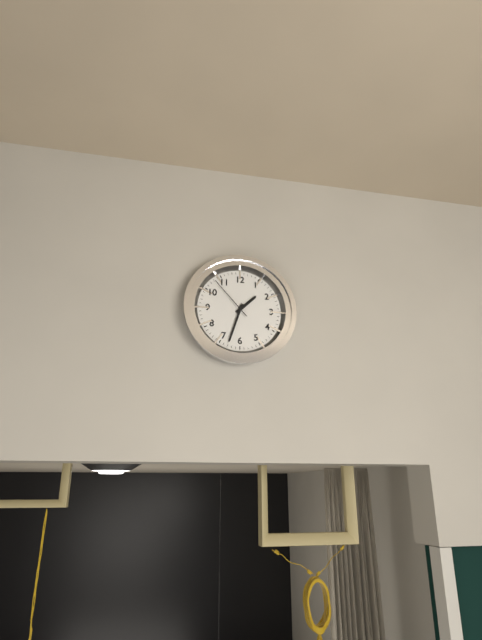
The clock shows 1:33
